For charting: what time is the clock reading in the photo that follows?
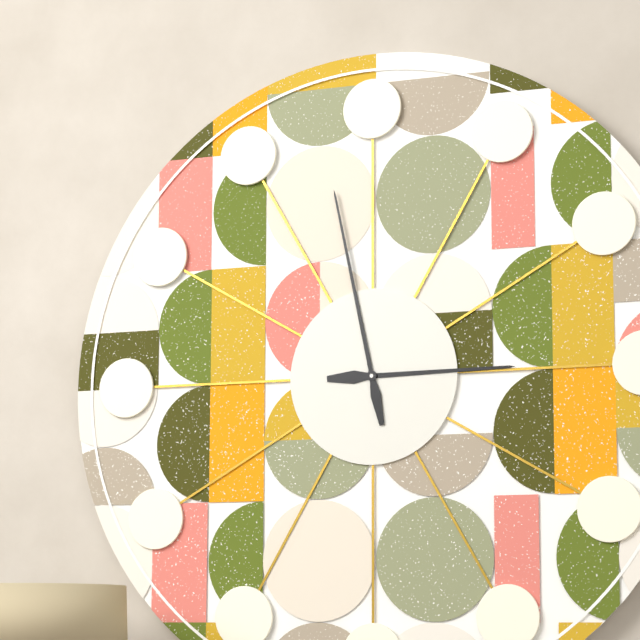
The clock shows 2:58
